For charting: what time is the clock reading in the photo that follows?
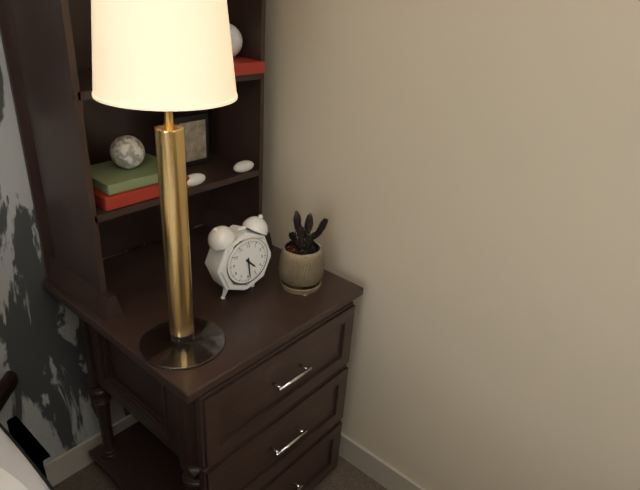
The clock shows 4:29
